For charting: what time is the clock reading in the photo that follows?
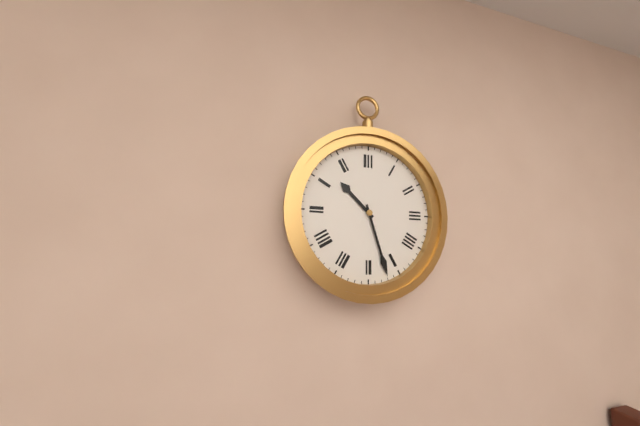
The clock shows 10:27
